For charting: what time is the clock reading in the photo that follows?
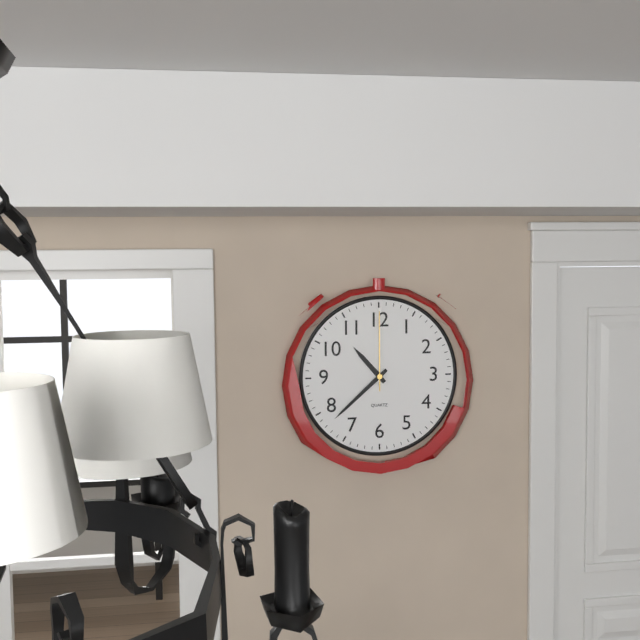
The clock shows 10:38:00
